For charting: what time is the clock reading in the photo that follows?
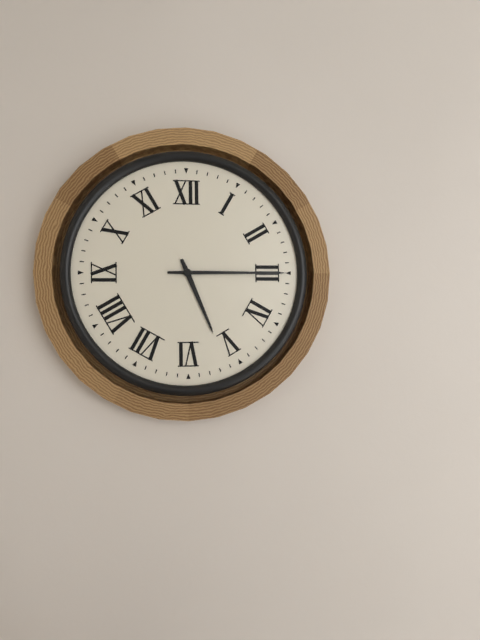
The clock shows 5:15
